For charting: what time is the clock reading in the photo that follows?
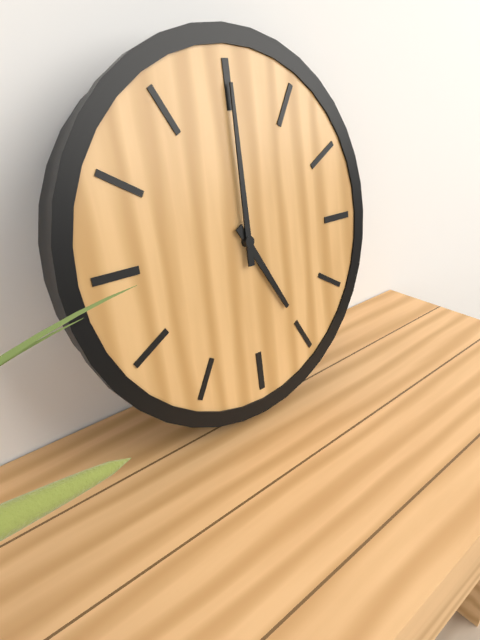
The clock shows 5:00
